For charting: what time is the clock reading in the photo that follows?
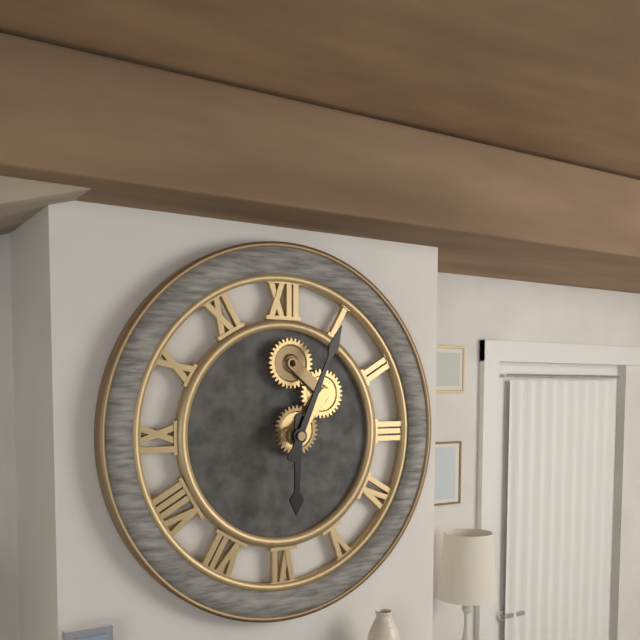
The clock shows 6:04
